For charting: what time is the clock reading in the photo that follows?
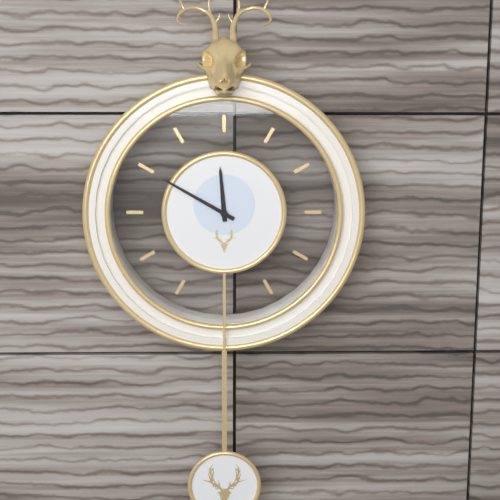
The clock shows 11:50
